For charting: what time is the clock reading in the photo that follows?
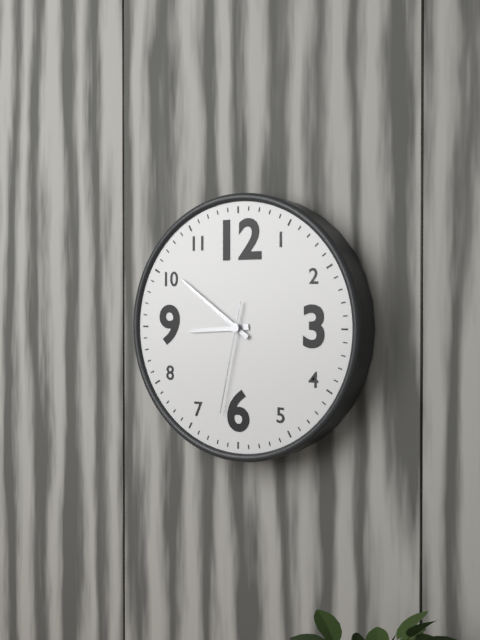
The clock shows 8:51:32
